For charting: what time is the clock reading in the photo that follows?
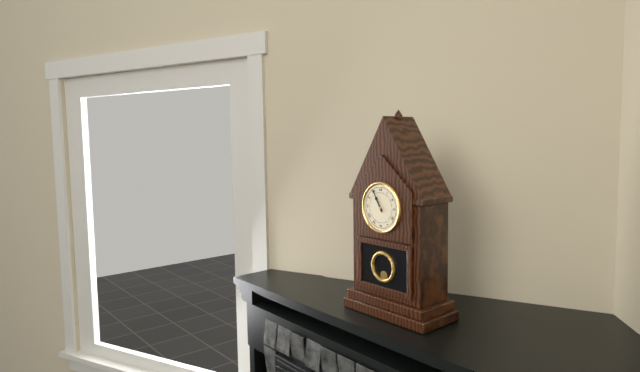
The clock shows 10:55
